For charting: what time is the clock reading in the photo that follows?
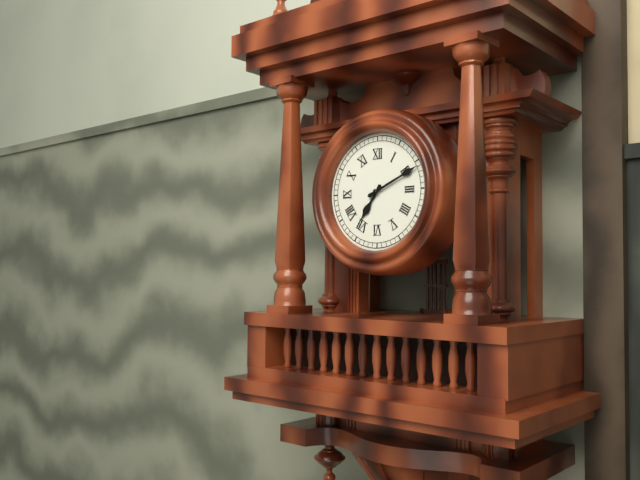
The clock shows 7:11
